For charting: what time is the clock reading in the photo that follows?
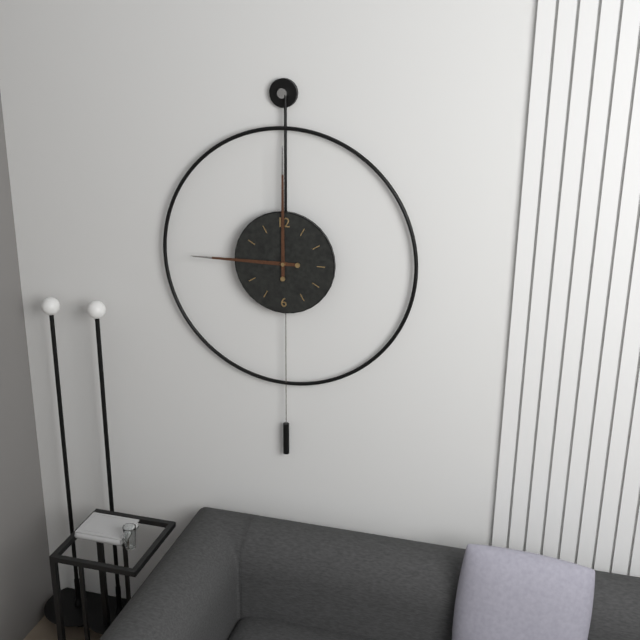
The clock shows 9:00
